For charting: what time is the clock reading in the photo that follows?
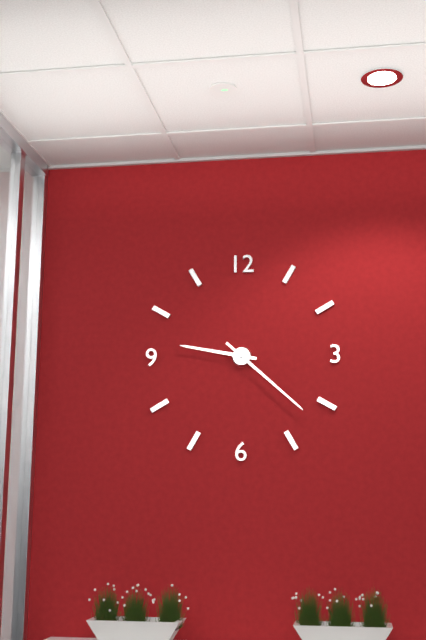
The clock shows 9:22
